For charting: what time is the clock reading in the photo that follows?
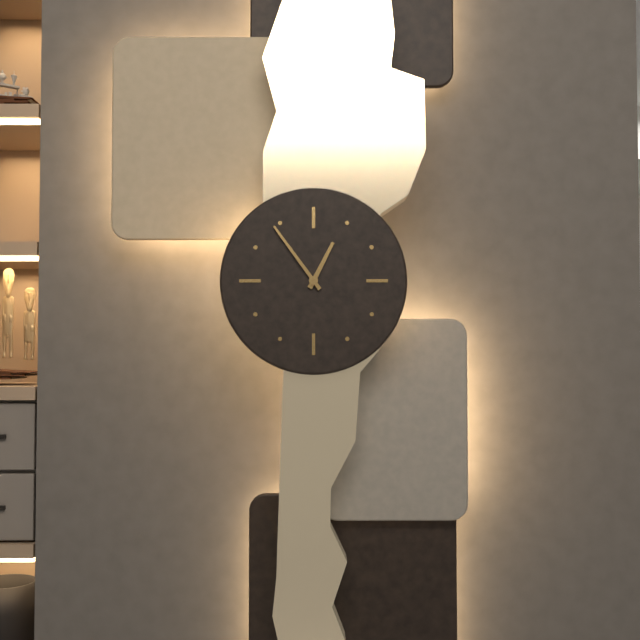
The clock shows 12:54
